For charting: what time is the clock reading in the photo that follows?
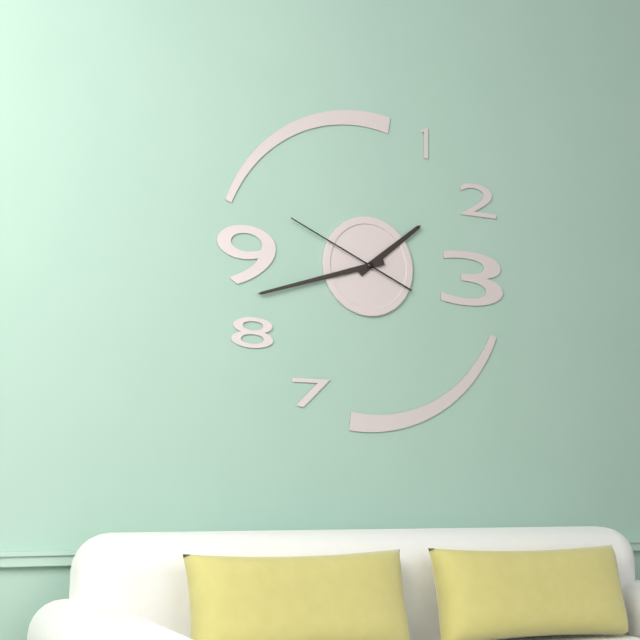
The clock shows 1:42:49
